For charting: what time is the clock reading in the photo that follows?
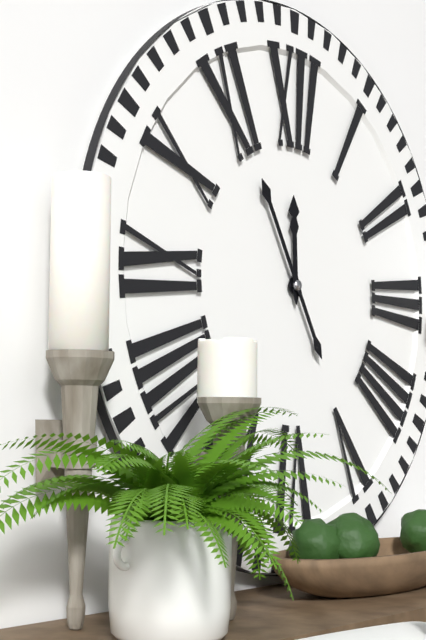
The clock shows 11:55
